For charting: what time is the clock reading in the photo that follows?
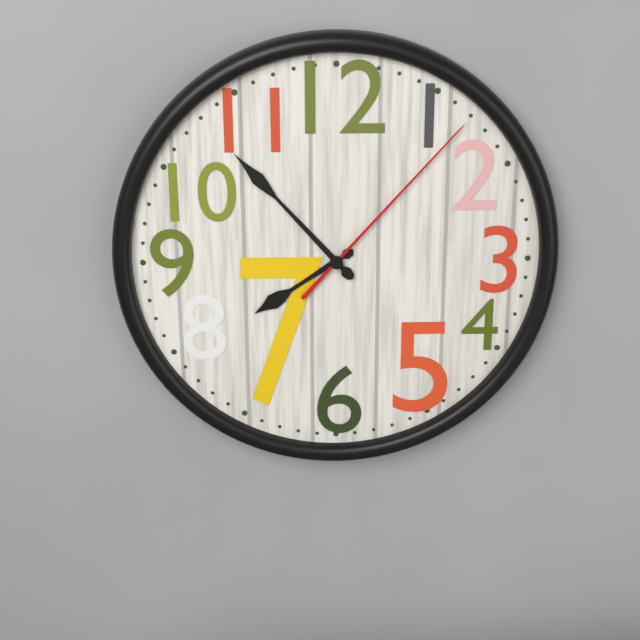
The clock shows 7:53:07
